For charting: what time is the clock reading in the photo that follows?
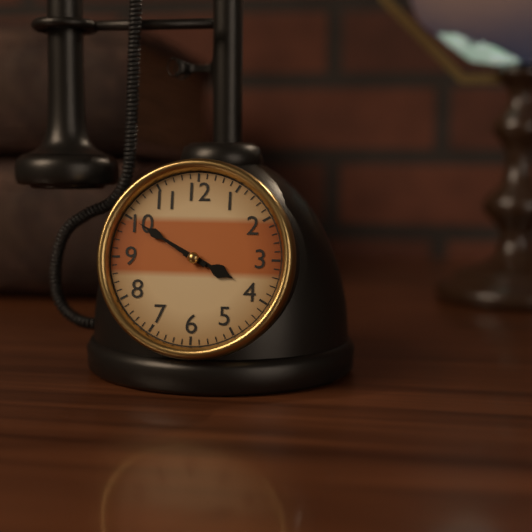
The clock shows 3:50
